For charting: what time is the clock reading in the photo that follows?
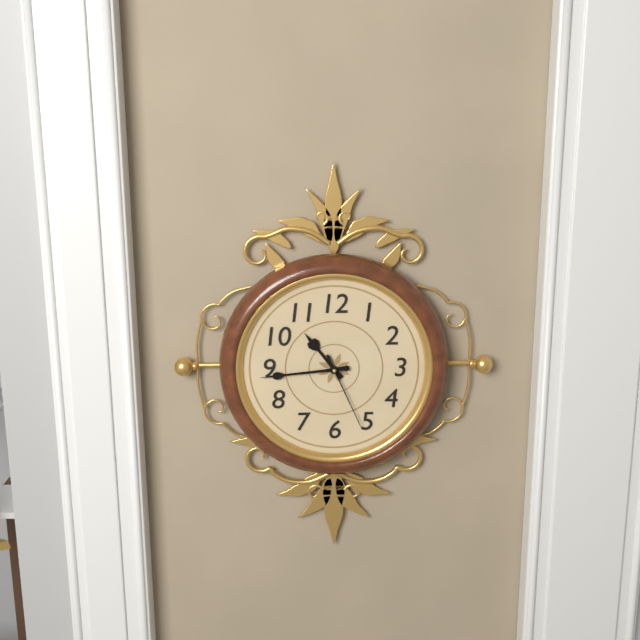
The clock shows 10:44:26
